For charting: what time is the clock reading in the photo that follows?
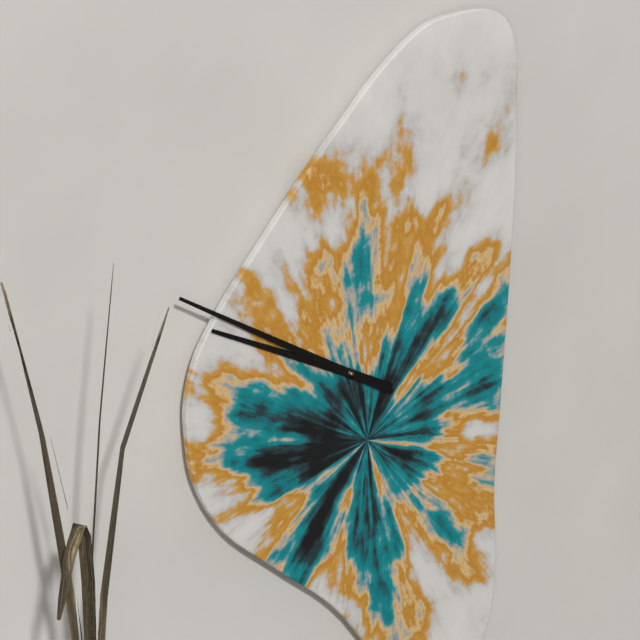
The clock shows 9:50
